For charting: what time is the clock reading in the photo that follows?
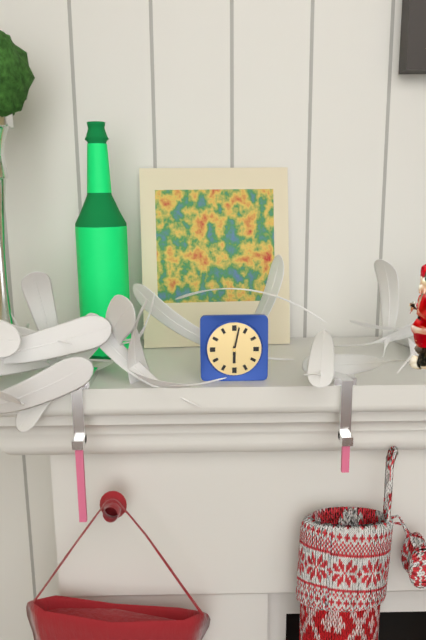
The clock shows 6:02
